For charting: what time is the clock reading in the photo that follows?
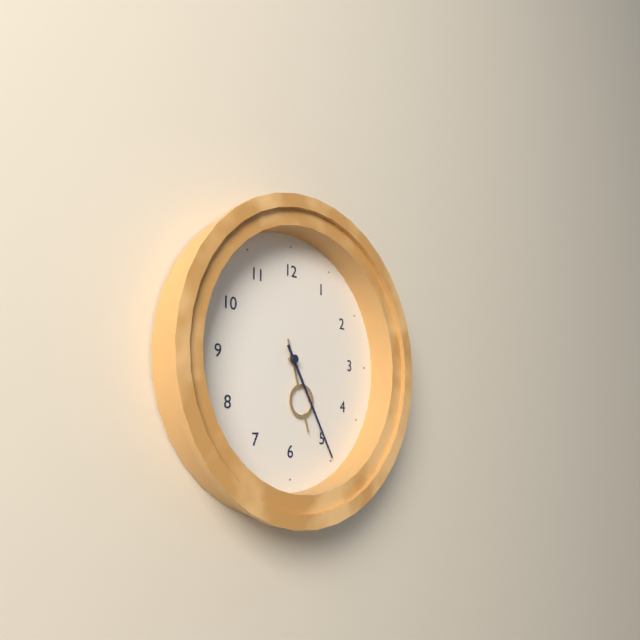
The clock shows 5:25
